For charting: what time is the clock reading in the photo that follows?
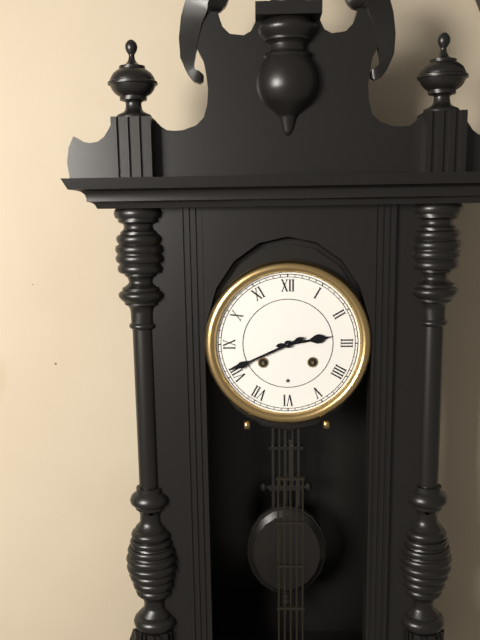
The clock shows 2:41
